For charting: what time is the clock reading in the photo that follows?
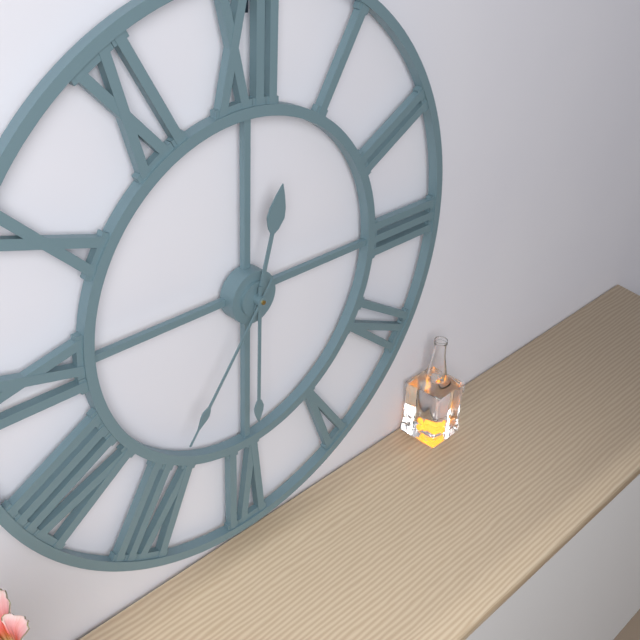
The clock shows 12:30:36
